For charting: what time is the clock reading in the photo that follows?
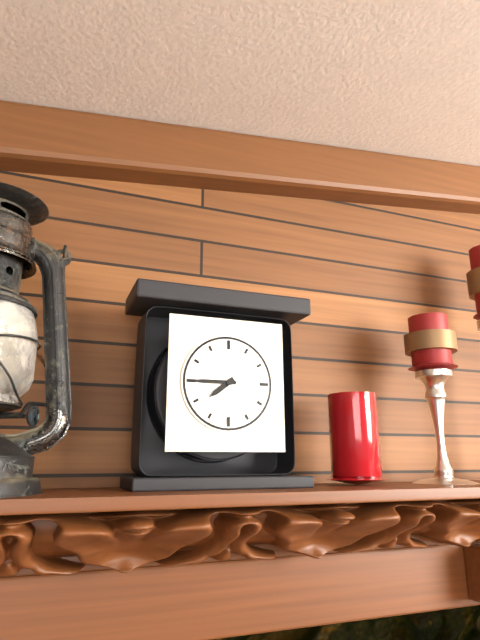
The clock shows 7:45
